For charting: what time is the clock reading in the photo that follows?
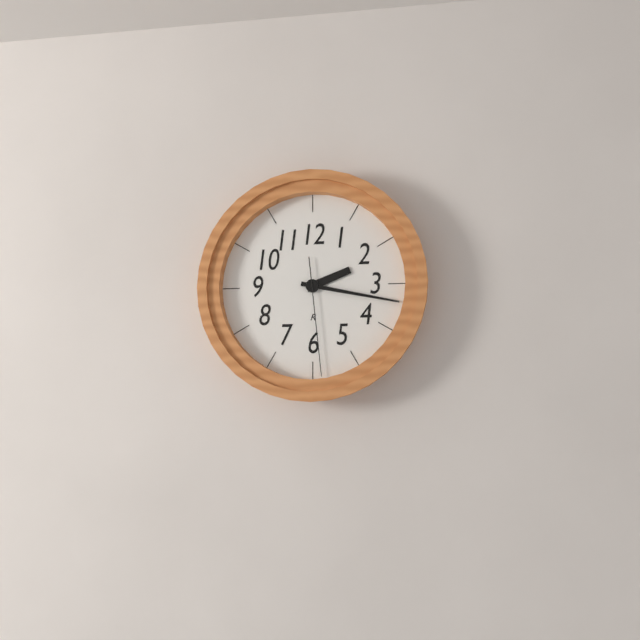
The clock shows 2:17:29
